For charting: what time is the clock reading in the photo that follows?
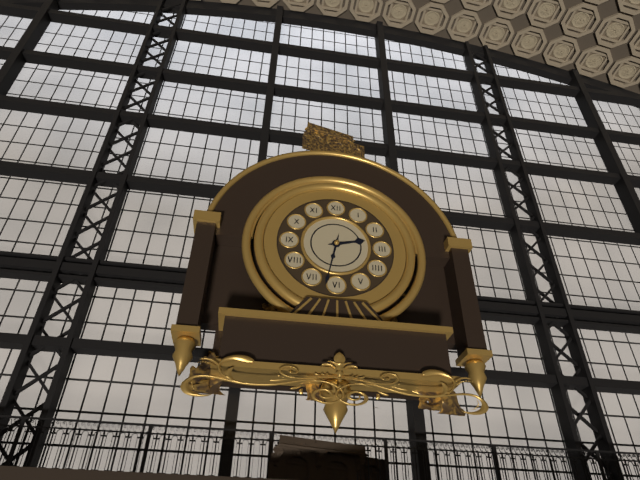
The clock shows 2:32
